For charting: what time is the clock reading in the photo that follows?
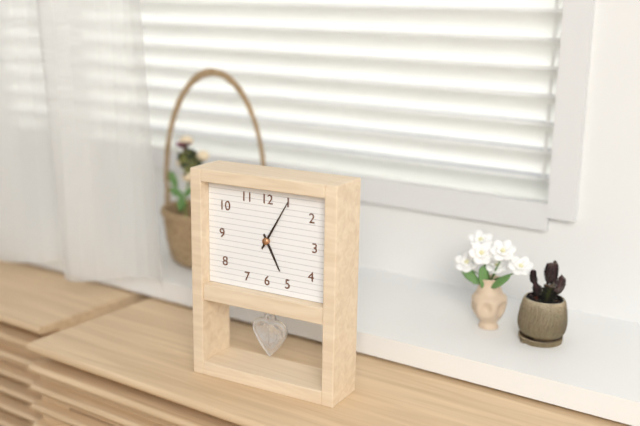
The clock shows 5:05
